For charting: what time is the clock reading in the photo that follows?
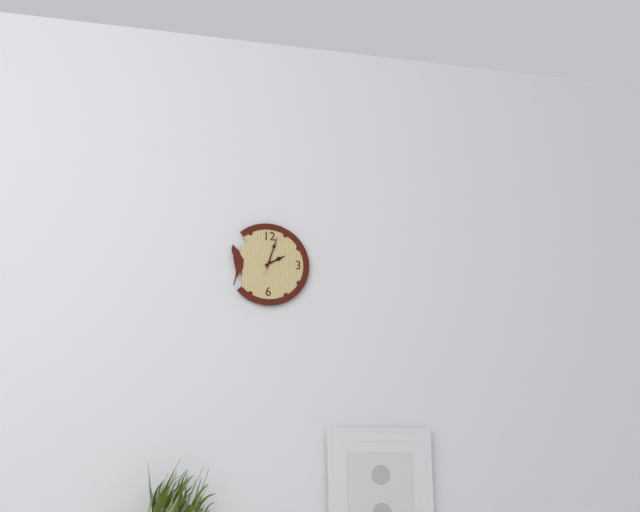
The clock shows 2:03
